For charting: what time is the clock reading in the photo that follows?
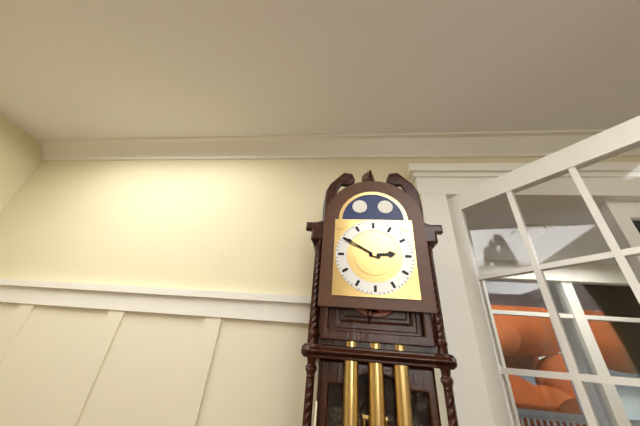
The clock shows 2:50
